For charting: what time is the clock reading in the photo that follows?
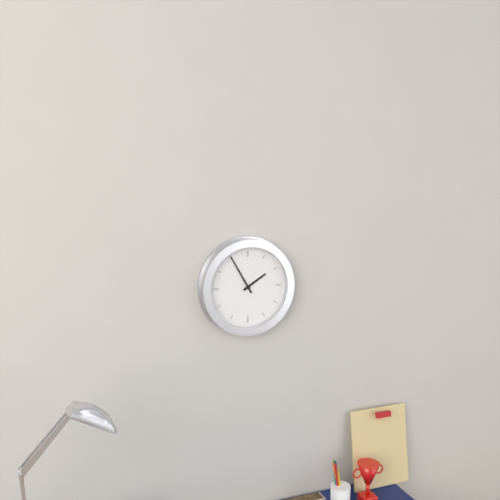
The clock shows 1:55
